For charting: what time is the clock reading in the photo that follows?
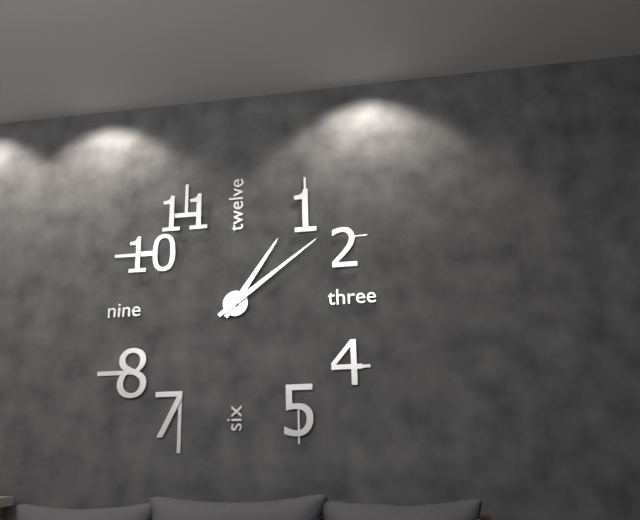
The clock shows 1:09
